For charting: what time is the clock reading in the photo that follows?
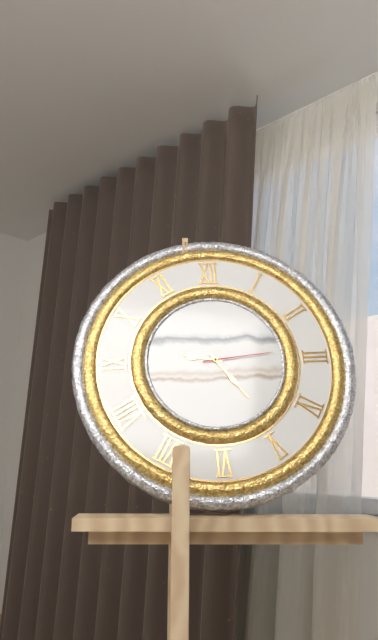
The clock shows 9:24:14
